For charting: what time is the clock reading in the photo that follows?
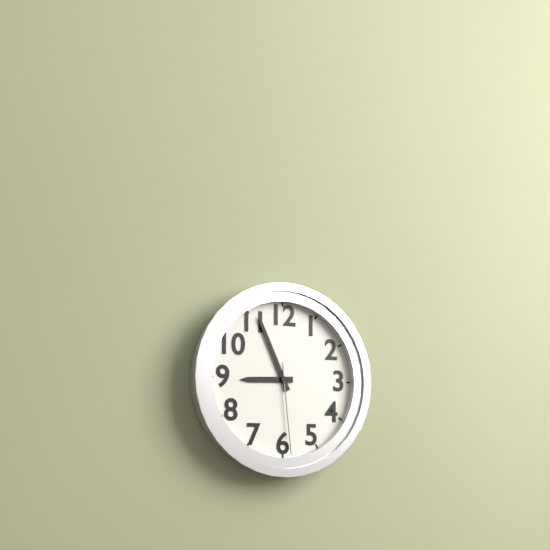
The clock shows 8:56:29
